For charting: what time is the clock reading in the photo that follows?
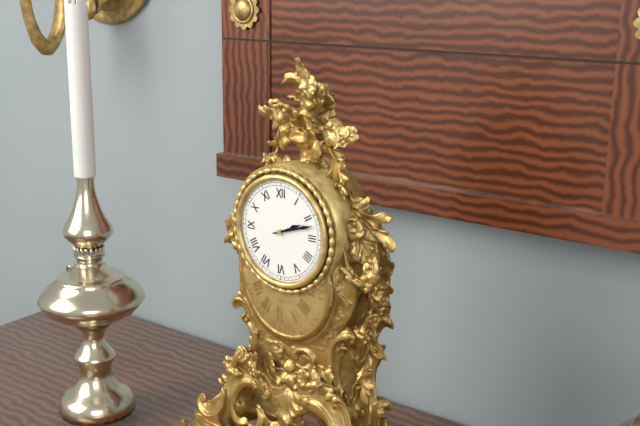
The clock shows 2:12
